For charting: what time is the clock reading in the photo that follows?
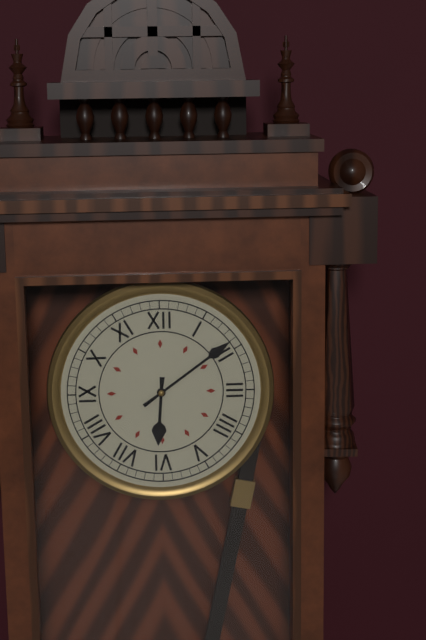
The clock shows 6:09
